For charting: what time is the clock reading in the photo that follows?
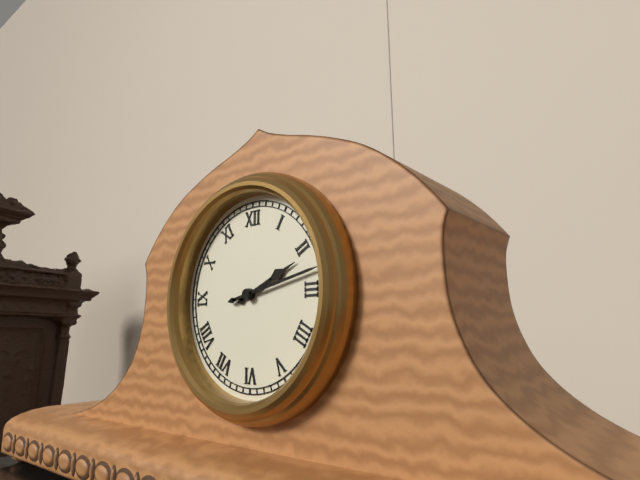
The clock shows 2:13
